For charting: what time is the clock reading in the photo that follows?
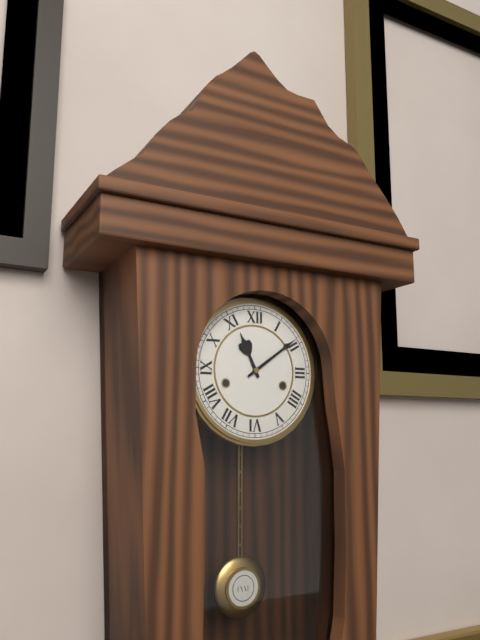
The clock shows 11:09
